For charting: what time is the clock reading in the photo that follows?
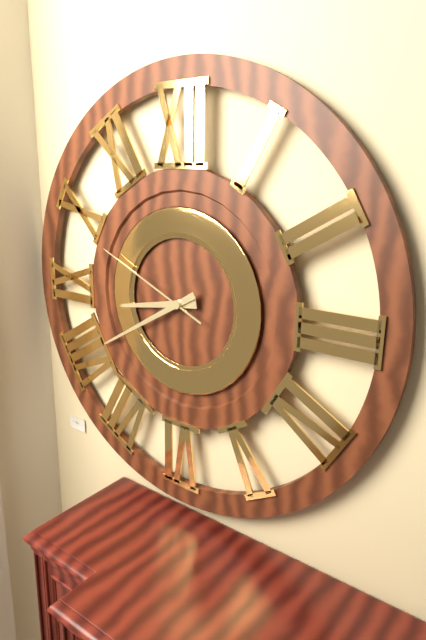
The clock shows 8:40:49
